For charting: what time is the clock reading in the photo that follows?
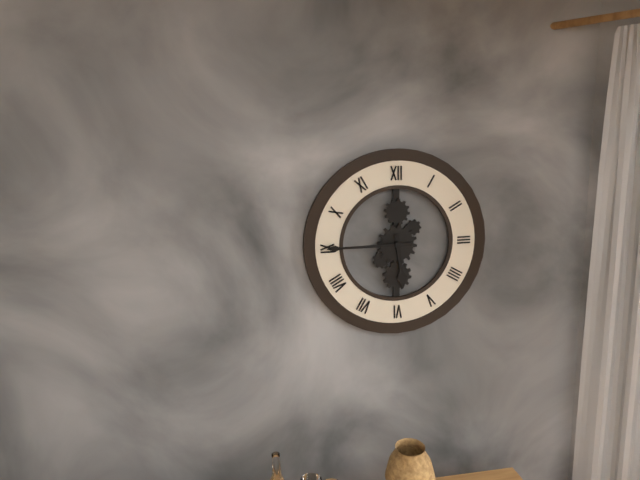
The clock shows 5:45
